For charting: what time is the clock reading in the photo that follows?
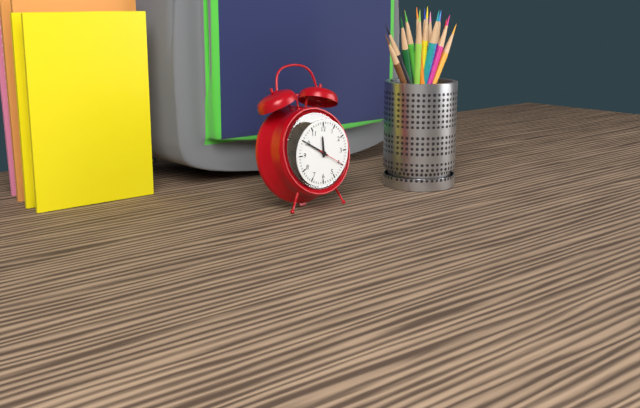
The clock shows 11:50
